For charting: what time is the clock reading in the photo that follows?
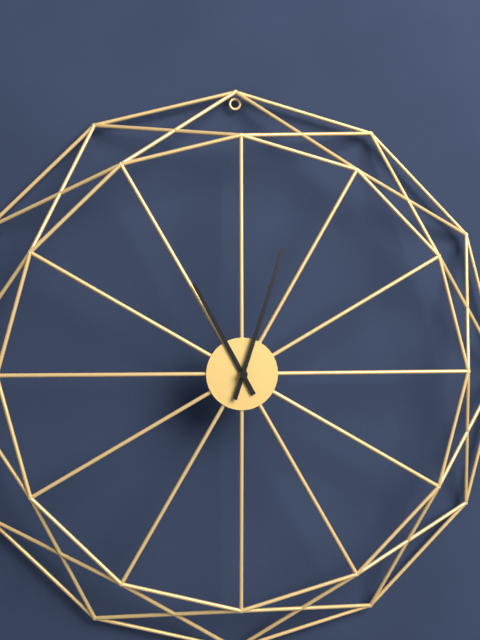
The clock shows 11:03
